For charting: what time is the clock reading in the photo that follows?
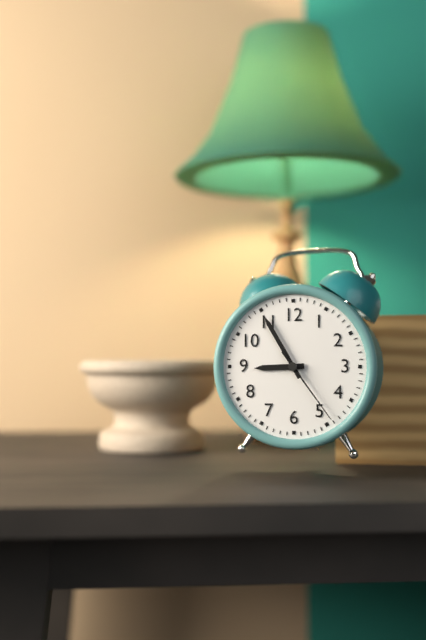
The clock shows 8:55:24
